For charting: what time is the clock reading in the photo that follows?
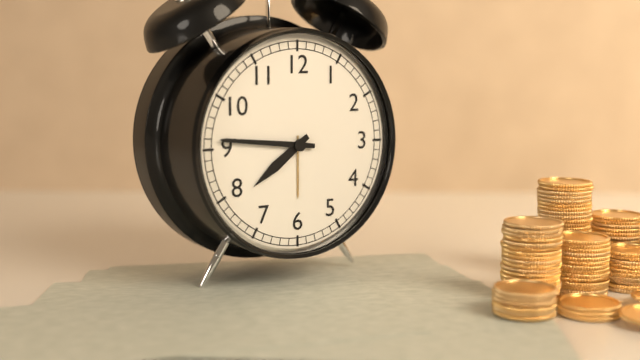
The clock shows 7:46
